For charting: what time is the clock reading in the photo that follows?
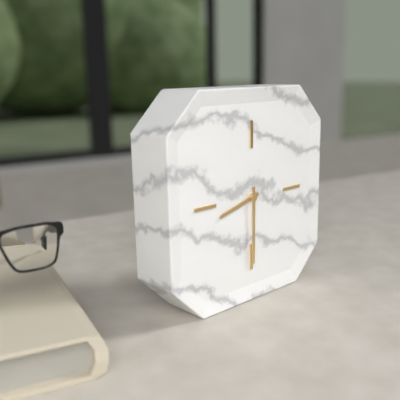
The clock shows 8:30
